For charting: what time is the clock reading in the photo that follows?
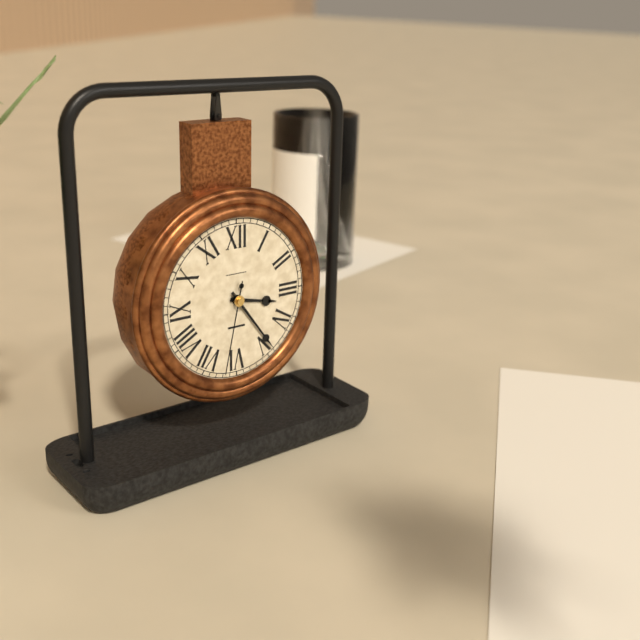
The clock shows 3:24:32
